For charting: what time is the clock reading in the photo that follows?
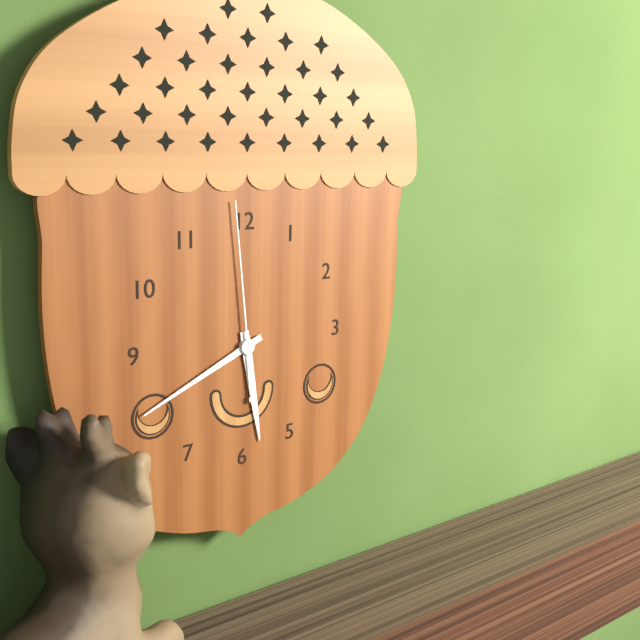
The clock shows 5:41:59
